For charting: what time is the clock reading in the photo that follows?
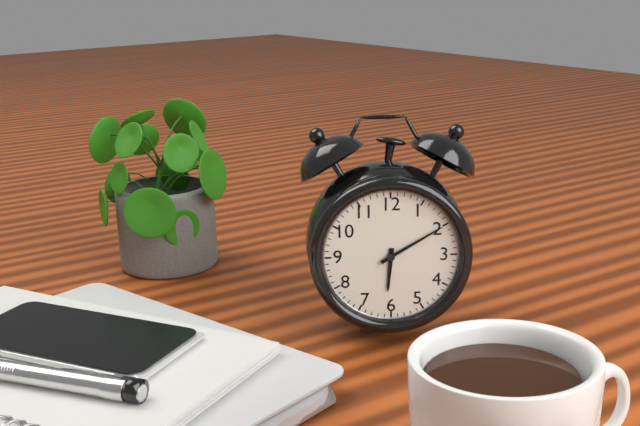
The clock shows 6:10
